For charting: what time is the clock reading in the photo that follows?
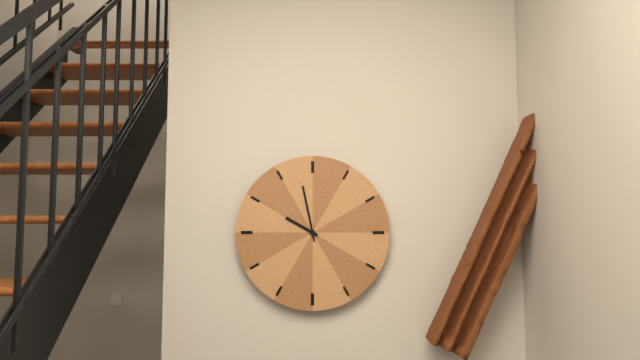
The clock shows 9:58
